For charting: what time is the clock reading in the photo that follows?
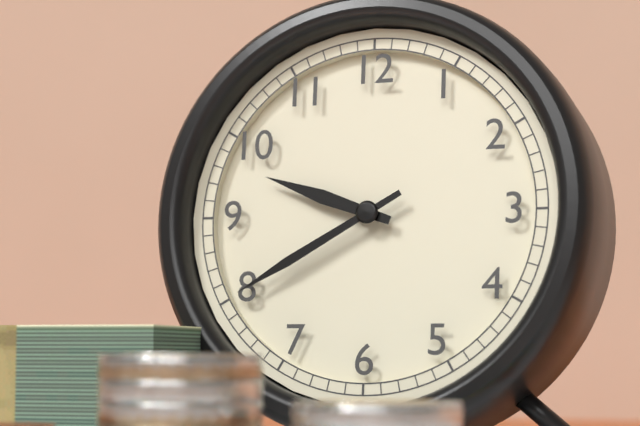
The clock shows 9:40
